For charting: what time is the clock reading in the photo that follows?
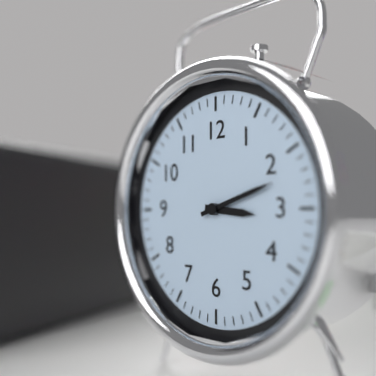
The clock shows 3:12
